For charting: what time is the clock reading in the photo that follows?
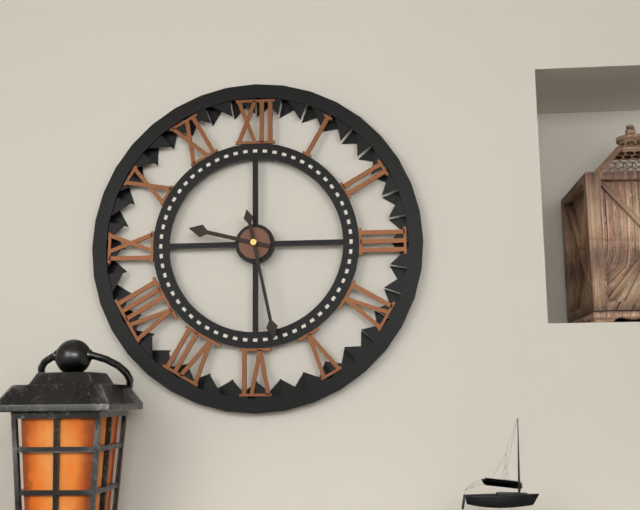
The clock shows 9:28
